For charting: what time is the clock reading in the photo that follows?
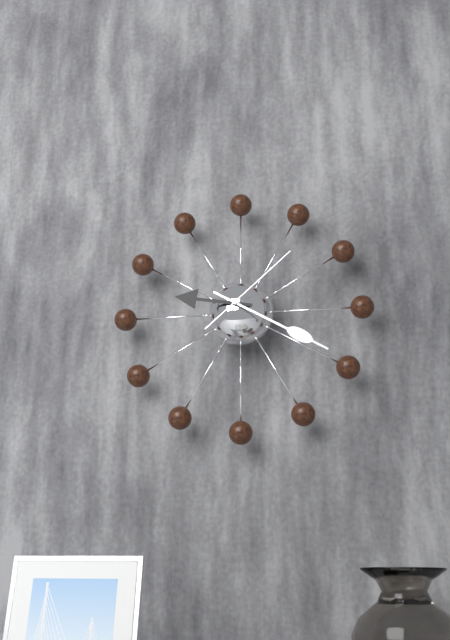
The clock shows 9:20:08
